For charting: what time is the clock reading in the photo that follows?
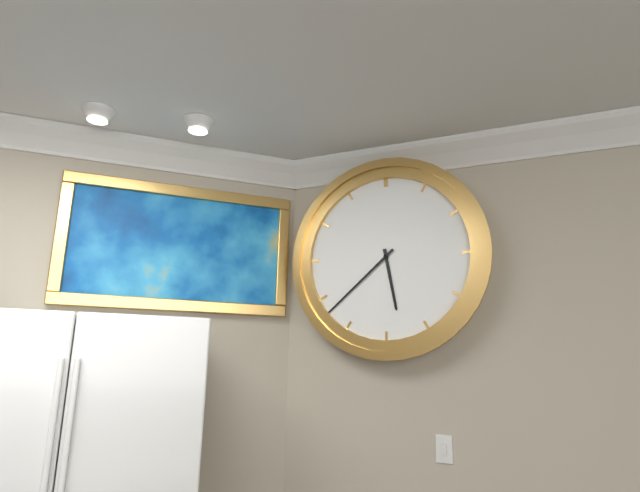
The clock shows 5:38
